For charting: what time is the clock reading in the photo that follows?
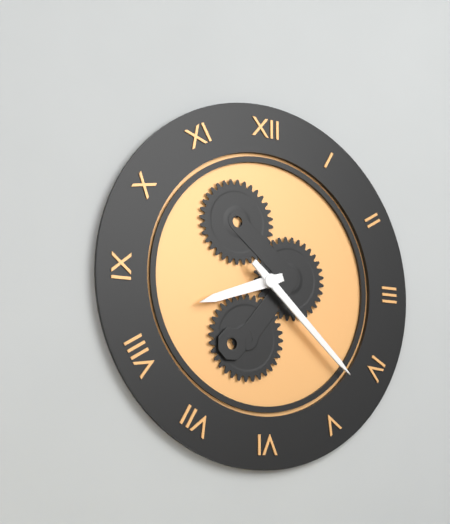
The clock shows 8:22
